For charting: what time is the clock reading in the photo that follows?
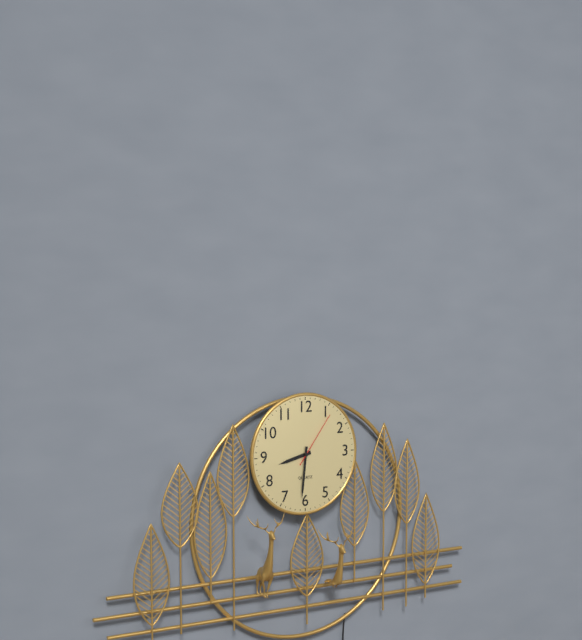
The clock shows 8:31:06
